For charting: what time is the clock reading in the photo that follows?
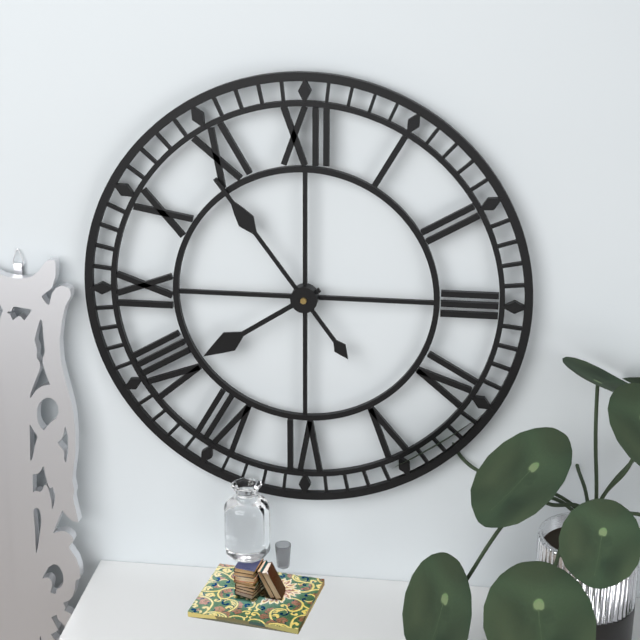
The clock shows 7:54
